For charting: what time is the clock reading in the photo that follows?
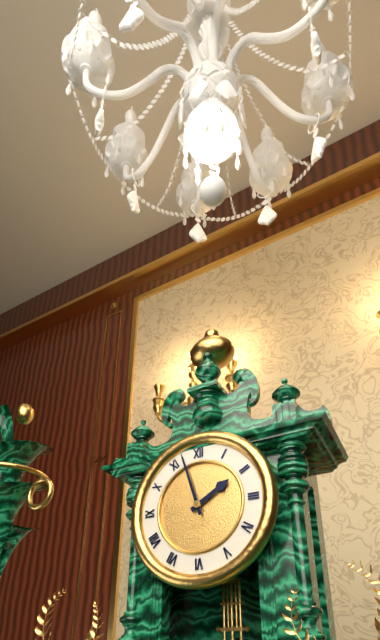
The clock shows 1:57
